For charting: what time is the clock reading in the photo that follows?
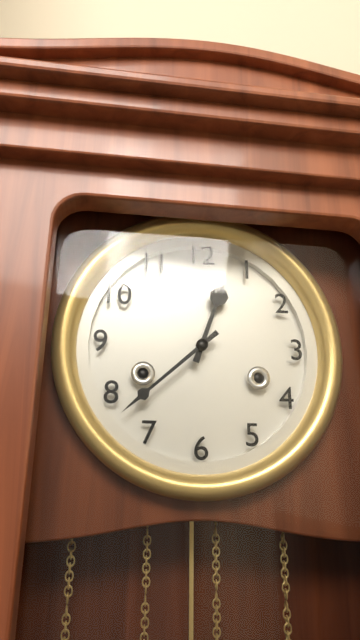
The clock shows 12:38
